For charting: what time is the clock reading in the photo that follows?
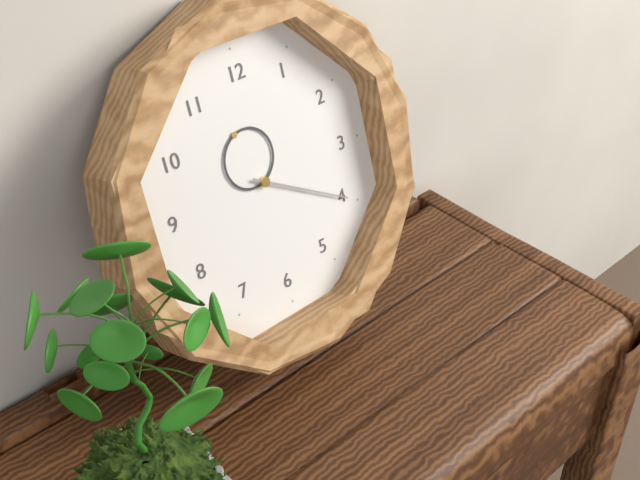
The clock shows 11:20
